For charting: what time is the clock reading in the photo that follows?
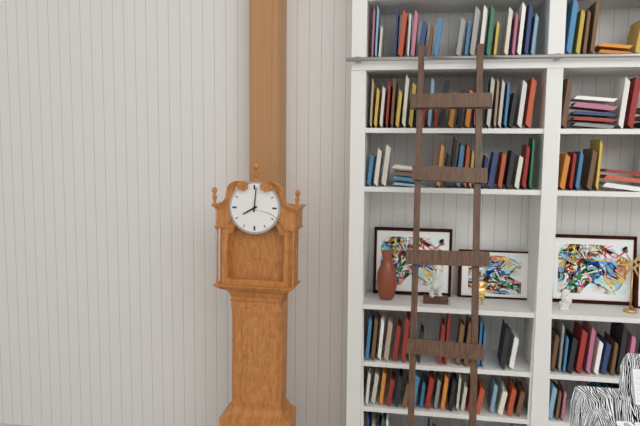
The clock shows 8:01
